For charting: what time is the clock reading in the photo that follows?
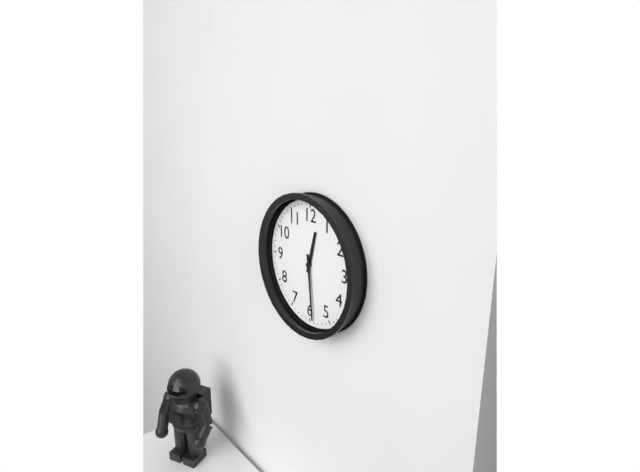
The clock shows 12:29
